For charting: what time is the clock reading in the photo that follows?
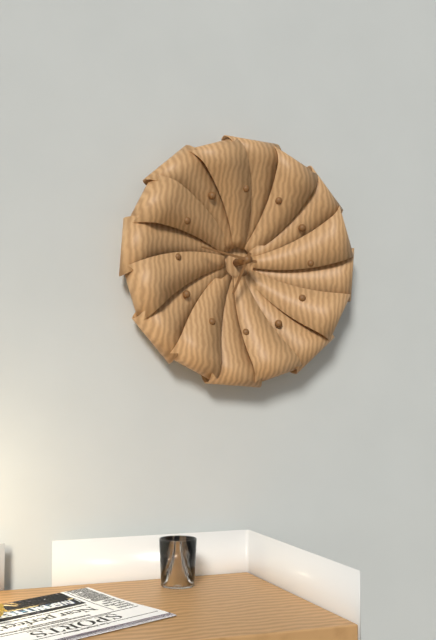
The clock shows 6:47
